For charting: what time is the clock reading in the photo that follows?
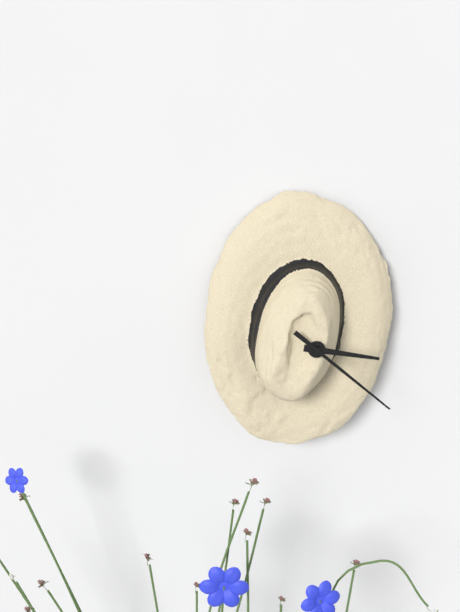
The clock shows 3:22
